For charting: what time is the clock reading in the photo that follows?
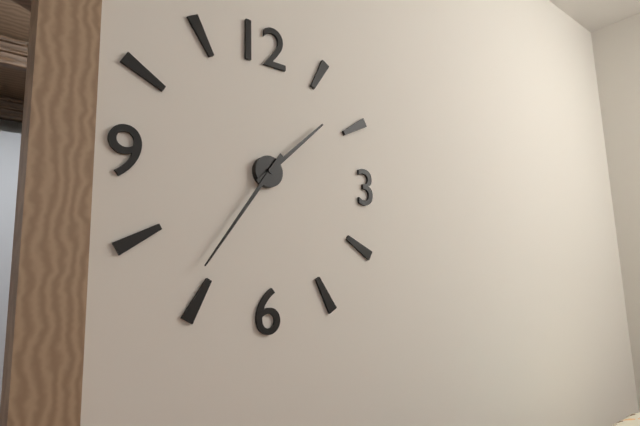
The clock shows 1:36
